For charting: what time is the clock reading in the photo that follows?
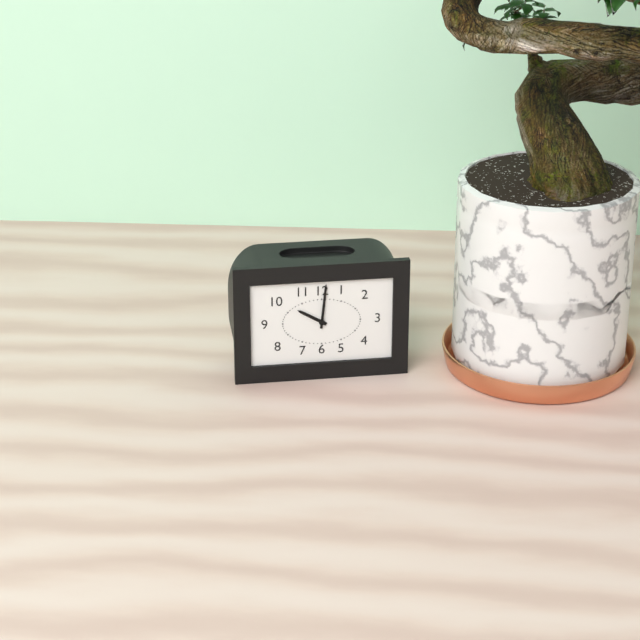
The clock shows 10:01
